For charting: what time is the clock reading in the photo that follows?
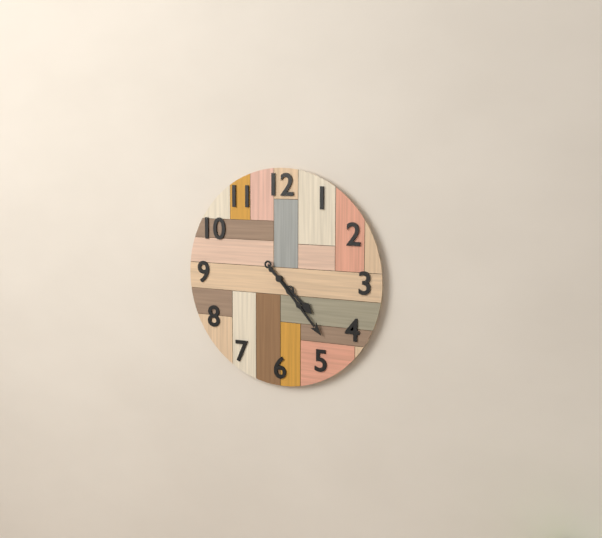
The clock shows 4:23
